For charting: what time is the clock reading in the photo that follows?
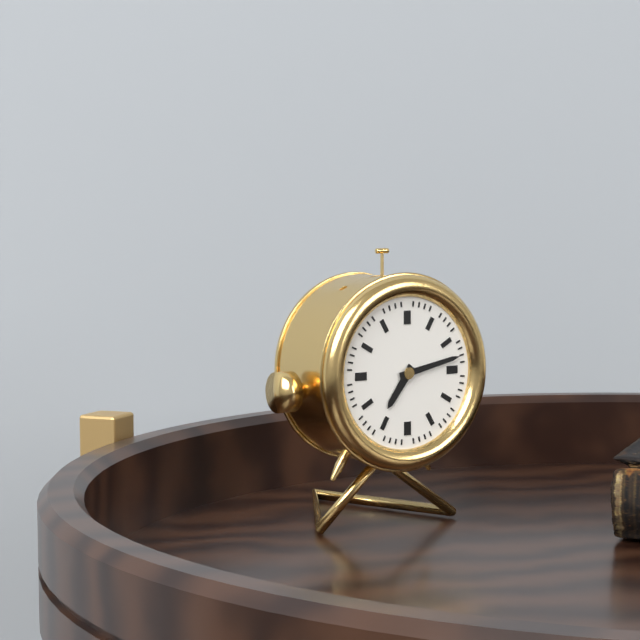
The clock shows 7:13
